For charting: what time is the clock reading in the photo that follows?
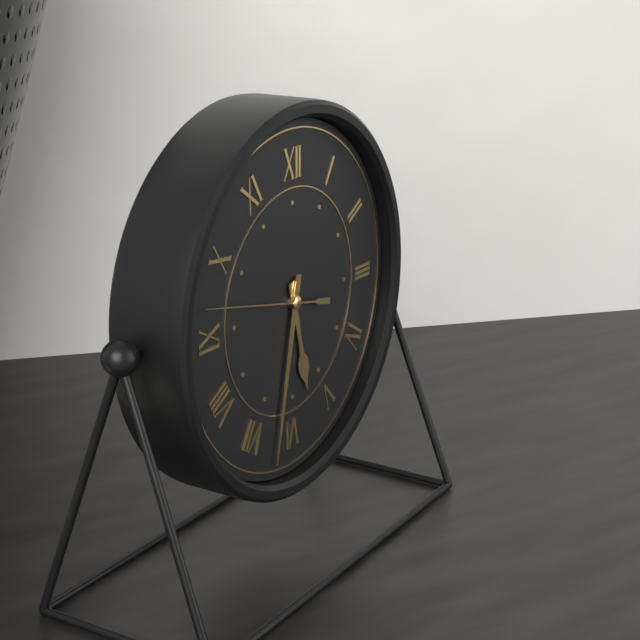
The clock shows 5:32:47
